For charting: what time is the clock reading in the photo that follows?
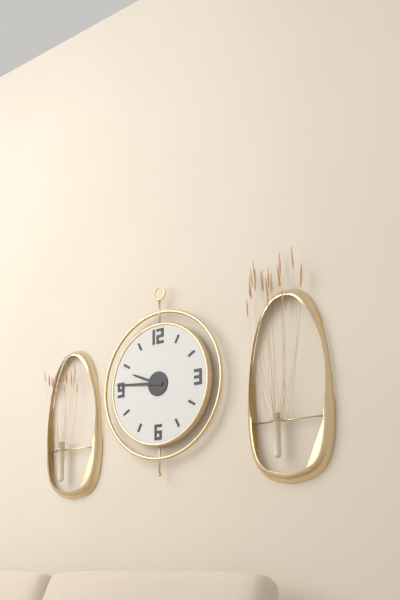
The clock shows 9:46
